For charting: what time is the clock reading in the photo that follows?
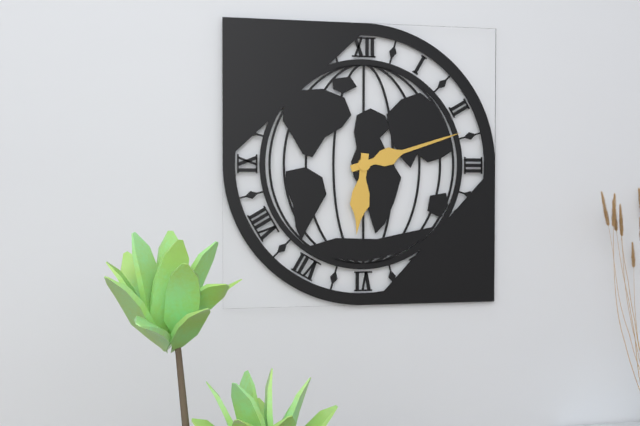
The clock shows 6:12
